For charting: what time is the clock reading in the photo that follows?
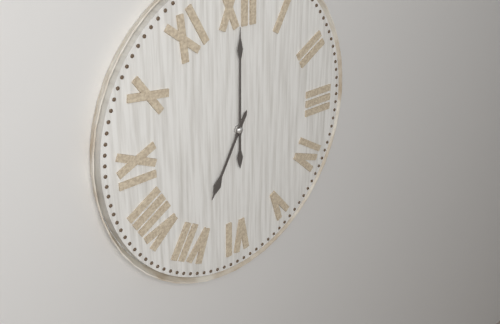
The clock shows 7:00
